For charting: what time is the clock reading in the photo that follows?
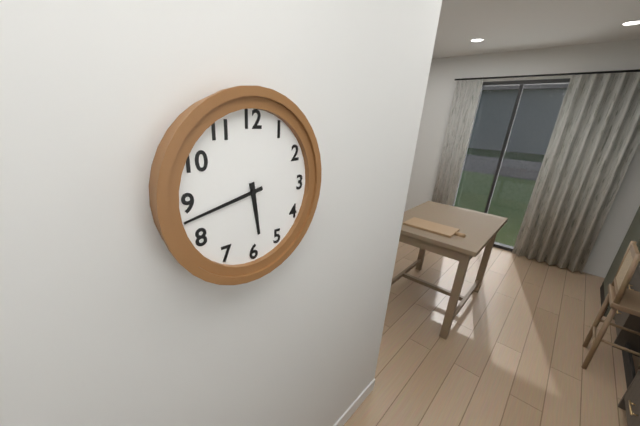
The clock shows 5:43
